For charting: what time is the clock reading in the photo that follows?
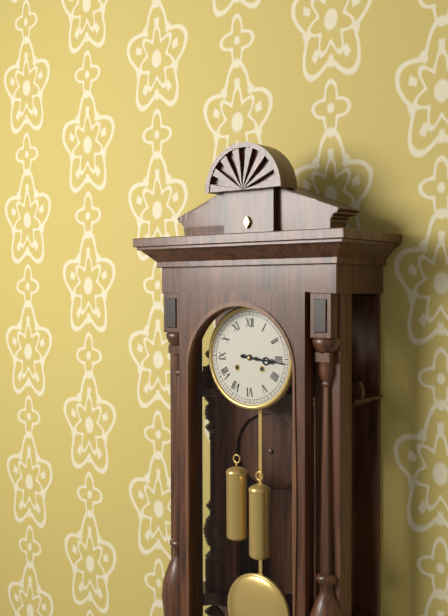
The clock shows 3:16
